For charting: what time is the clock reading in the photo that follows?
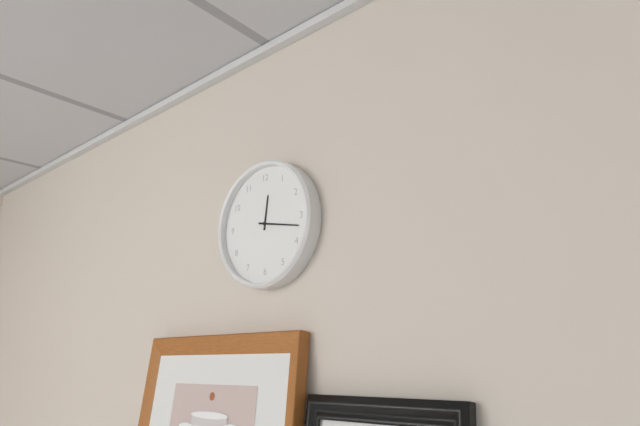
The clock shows 12:17
